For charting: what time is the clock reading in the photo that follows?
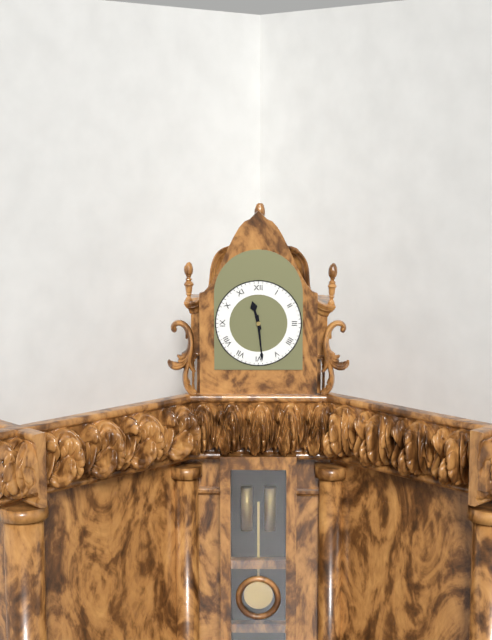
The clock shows 11:29
